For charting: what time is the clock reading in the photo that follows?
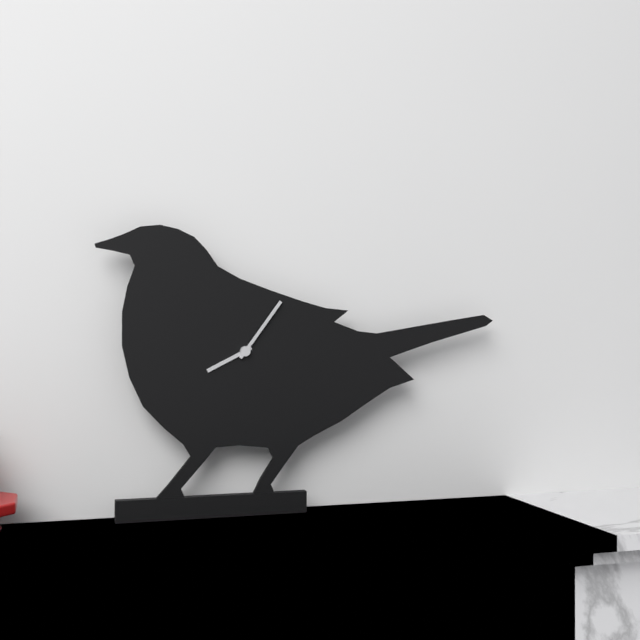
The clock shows 8:06
